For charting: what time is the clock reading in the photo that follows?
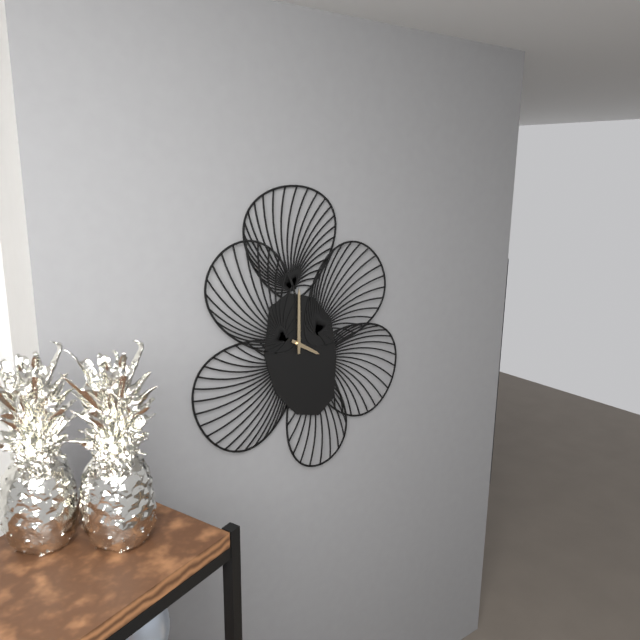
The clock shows 4:00
